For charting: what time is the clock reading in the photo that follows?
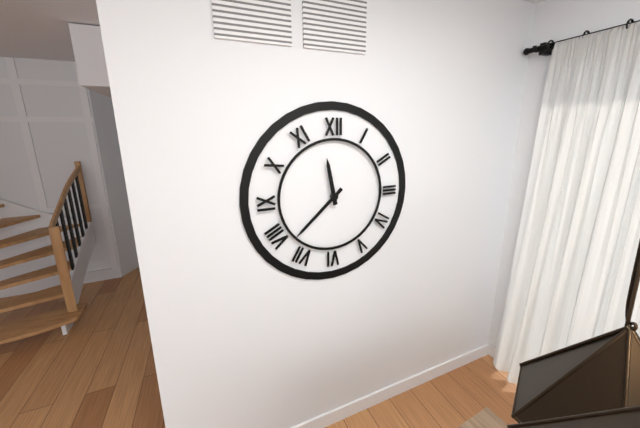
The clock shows 11:38
